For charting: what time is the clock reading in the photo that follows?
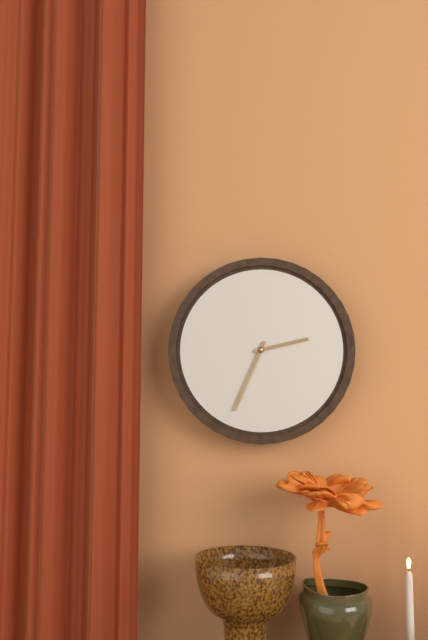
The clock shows 2:34
